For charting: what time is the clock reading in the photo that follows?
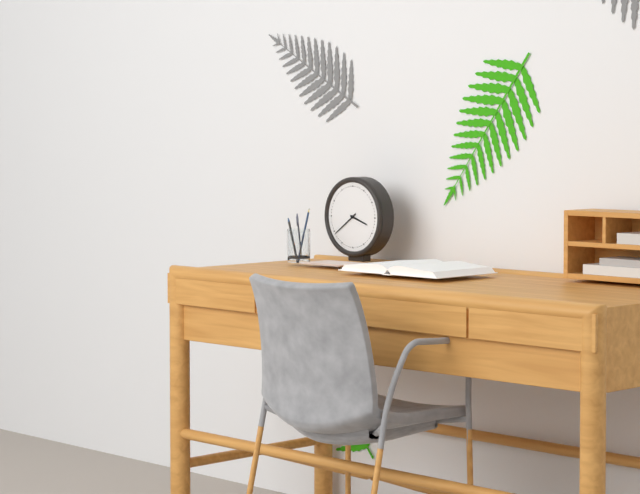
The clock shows 3:39
